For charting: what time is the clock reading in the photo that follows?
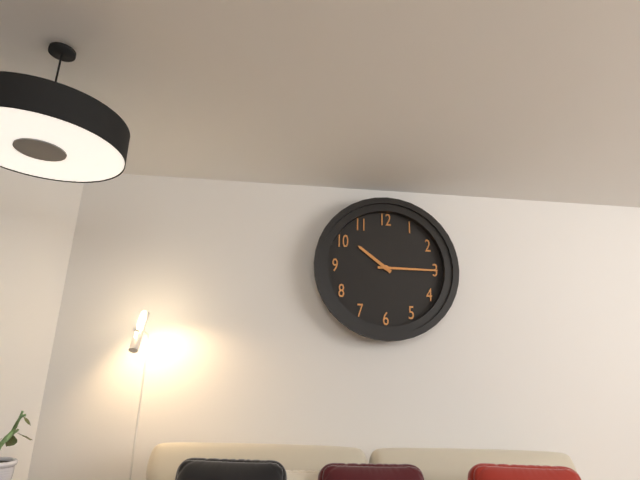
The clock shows 10:15
